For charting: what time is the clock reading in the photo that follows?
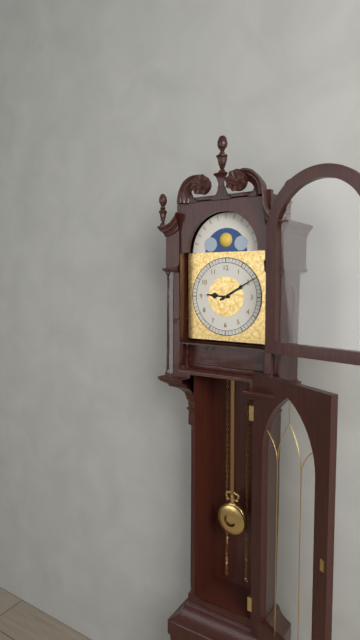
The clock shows 9:10
